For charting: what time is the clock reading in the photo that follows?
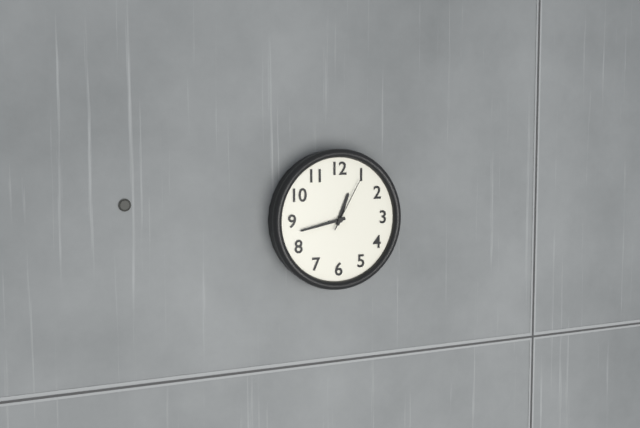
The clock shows 12:43:05
